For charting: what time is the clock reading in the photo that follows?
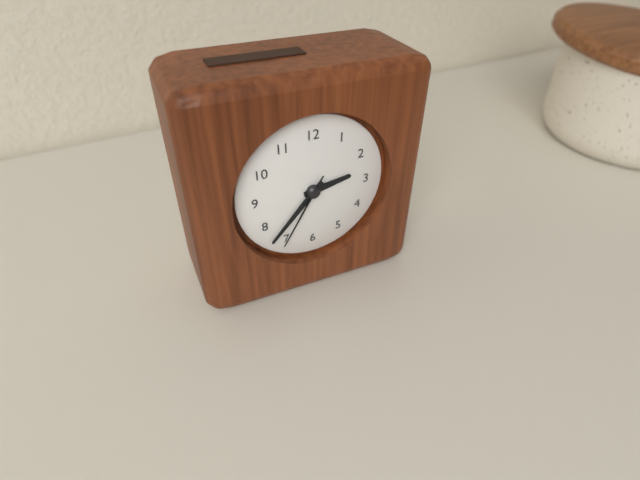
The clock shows 2:37:35
